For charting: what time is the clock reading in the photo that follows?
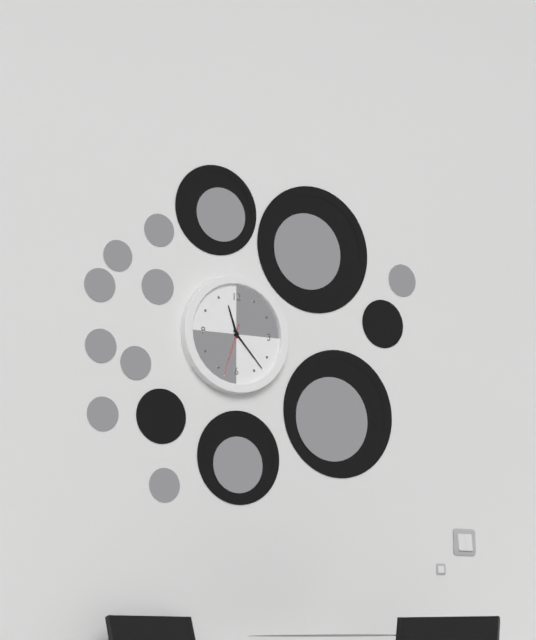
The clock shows 11:23:33
